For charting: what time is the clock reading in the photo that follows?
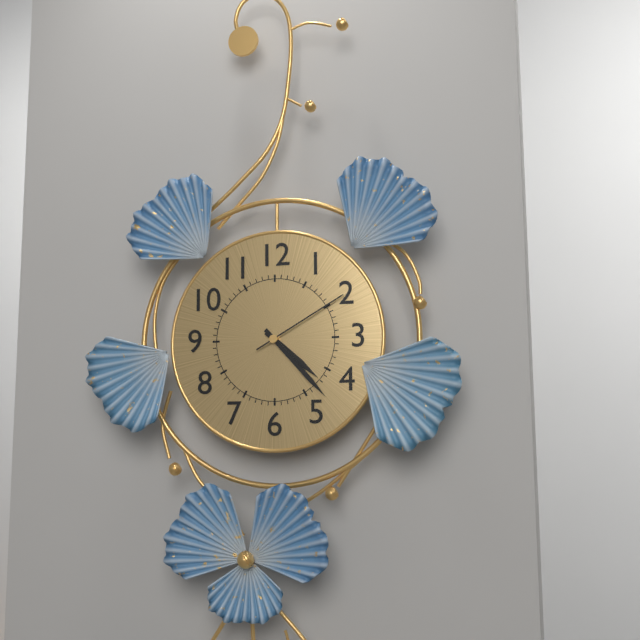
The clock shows 4:23:10
